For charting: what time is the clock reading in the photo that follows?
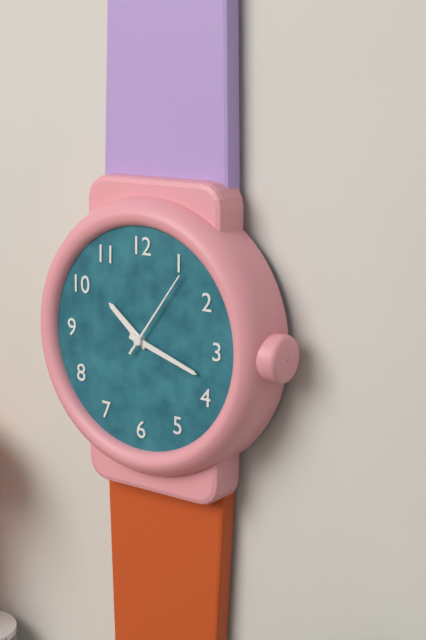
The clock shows 10:18:06
